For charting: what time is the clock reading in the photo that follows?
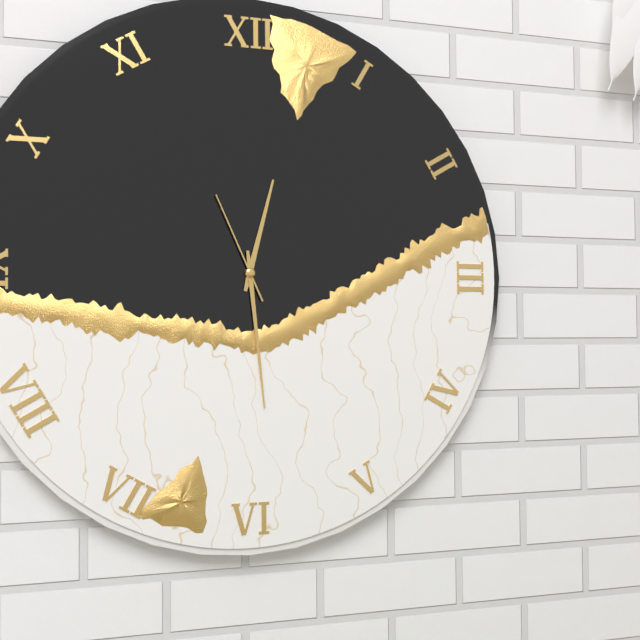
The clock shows 12:29:56
